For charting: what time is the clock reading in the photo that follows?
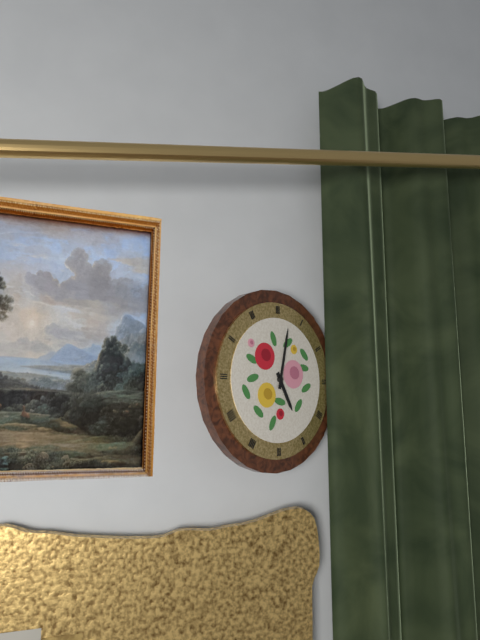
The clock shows 5:02
